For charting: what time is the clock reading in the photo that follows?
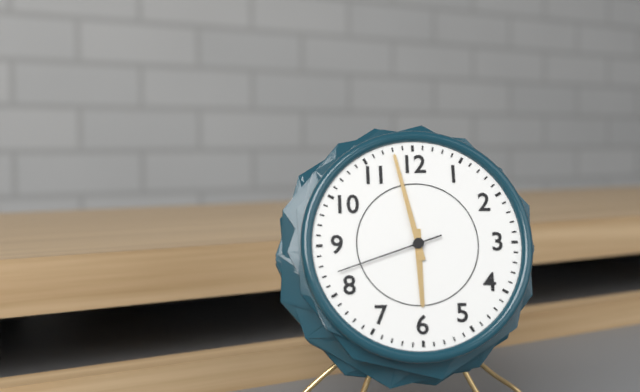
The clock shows 5:58:42
